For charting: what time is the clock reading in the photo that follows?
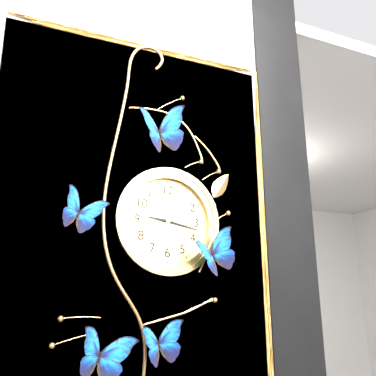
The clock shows 9:17
